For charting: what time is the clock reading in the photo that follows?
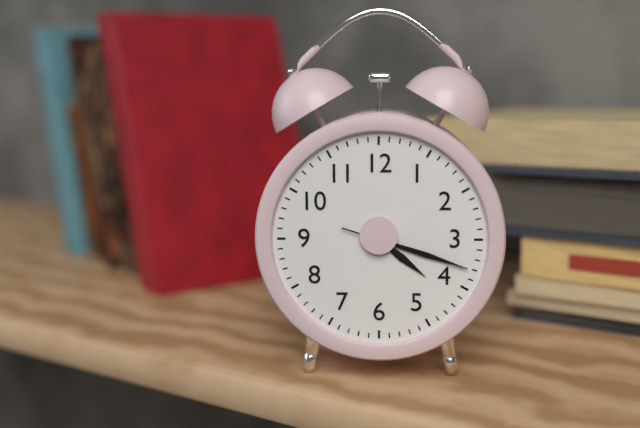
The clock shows 4:18:18
